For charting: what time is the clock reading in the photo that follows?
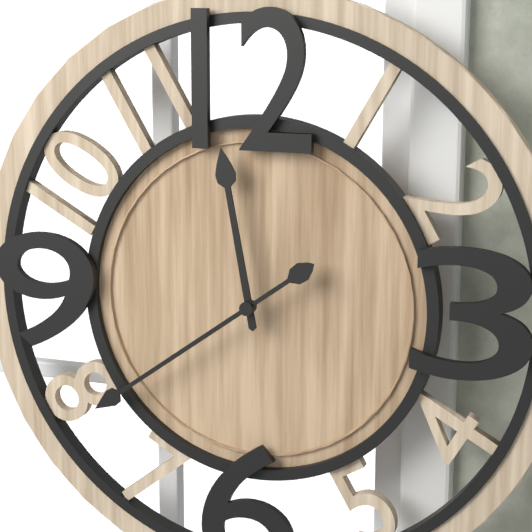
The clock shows 11:39
